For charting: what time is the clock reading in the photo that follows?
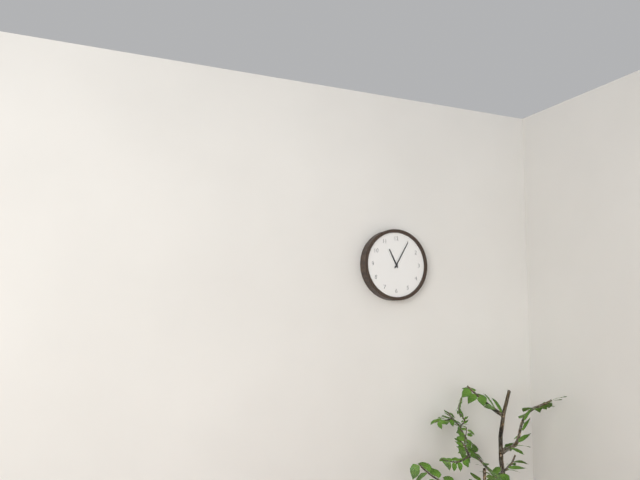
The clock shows 11:05
